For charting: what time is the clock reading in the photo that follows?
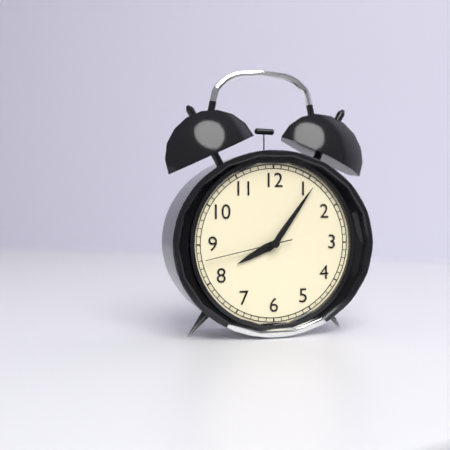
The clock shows 8:06:43
